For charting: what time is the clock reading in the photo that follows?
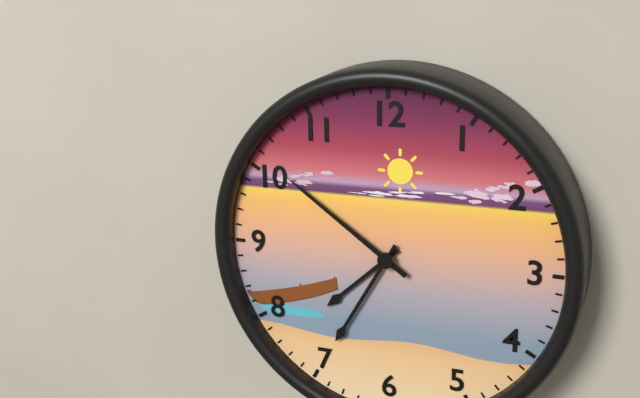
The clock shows 7:35:51
